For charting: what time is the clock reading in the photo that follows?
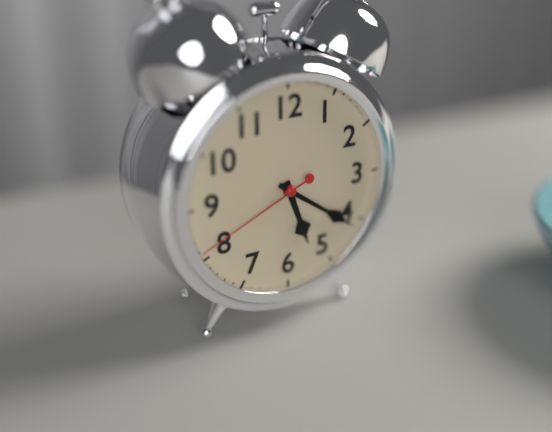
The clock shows 5:21:41
